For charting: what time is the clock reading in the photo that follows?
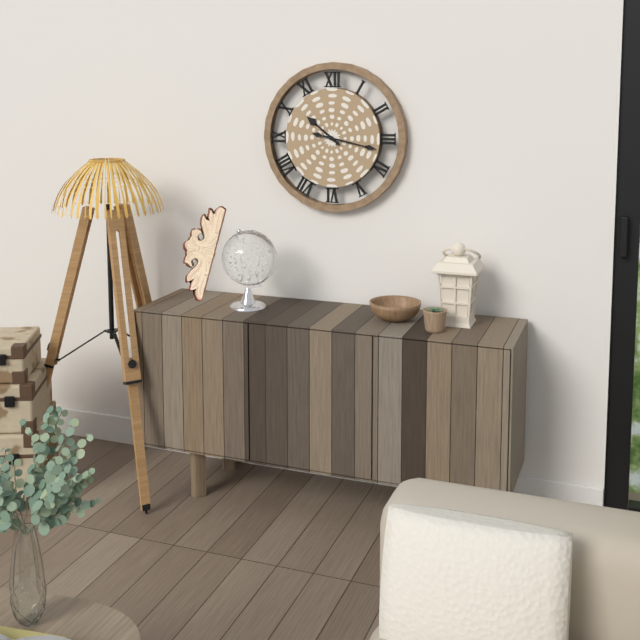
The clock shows 10:17
